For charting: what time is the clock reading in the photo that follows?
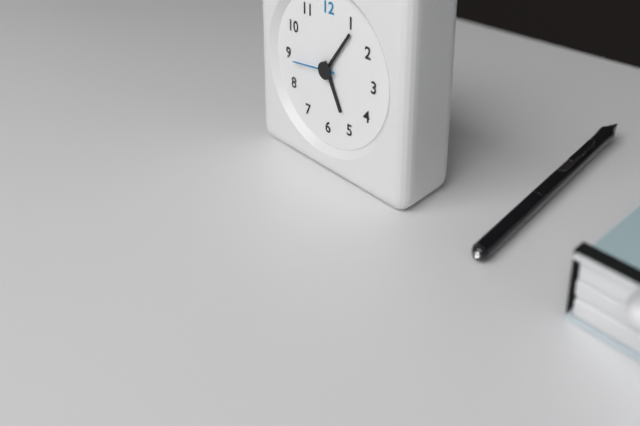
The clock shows 5:06
